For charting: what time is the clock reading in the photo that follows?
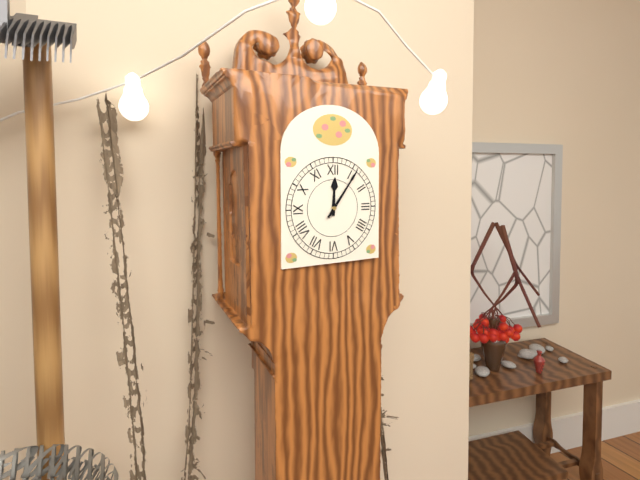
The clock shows 12:06
